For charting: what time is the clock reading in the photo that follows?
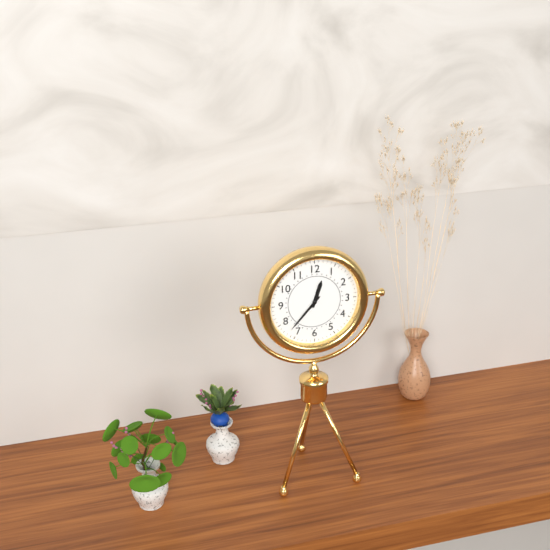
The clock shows 12:37
